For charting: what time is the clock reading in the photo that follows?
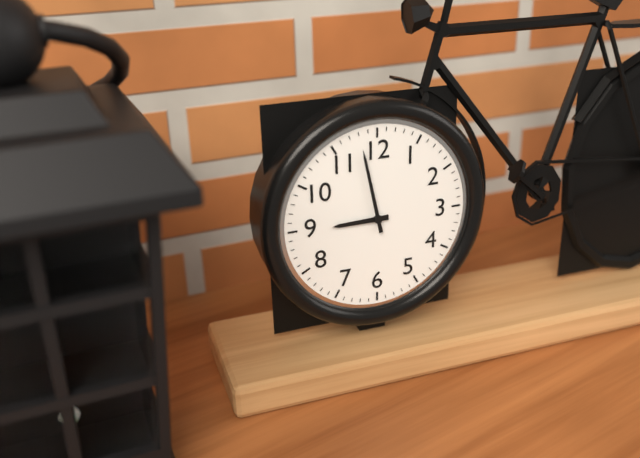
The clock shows 8:58
